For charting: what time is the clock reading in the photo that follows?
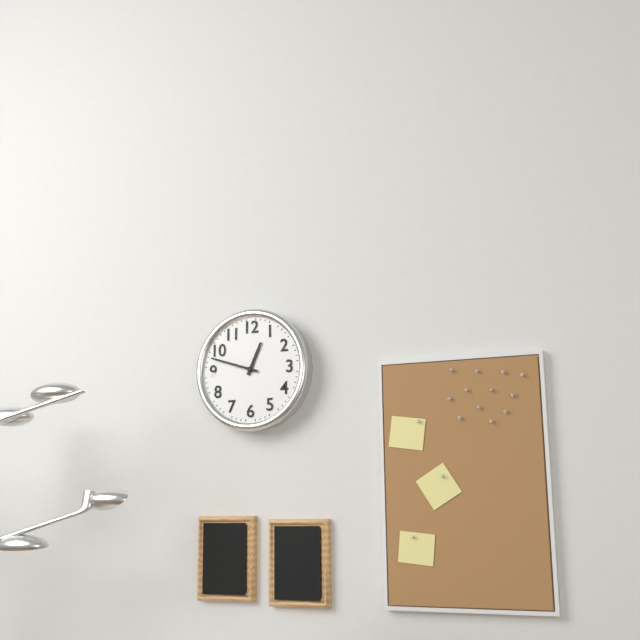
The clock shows 12:48
